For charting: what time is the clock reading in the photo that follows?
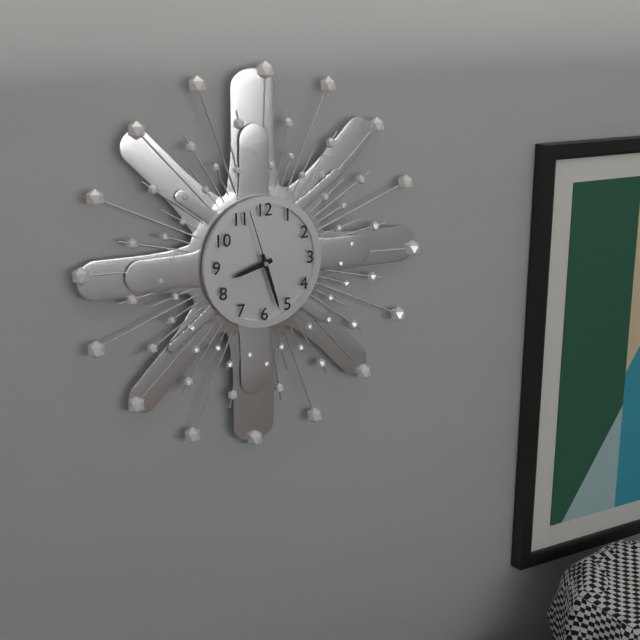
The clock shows 8:27:57
